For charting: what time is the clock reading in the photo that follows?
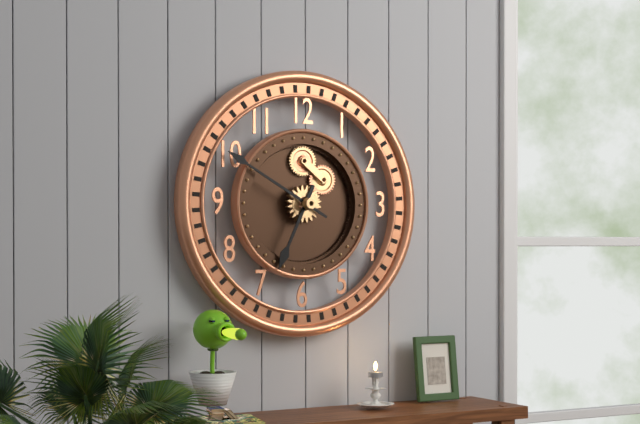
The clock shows 6:50
